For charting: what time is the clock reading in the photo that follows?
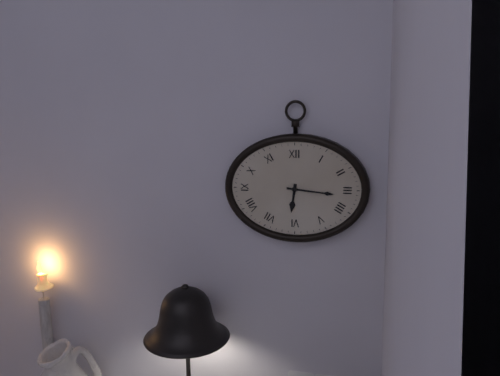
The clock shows 6:16
